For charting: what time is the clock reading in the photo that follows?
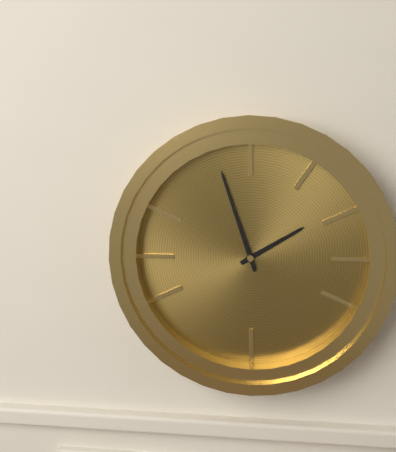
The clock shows 1:57
